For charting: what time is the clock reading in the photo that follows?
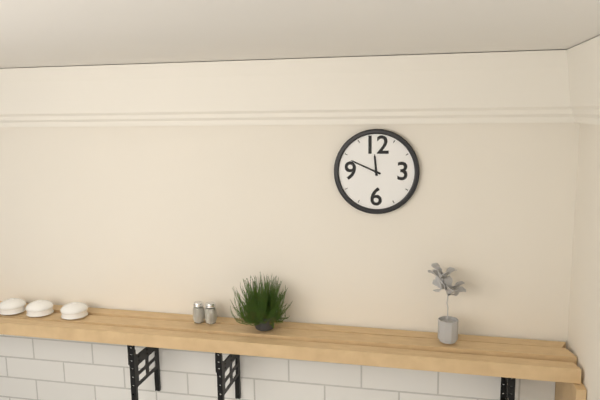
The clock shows 11:49
